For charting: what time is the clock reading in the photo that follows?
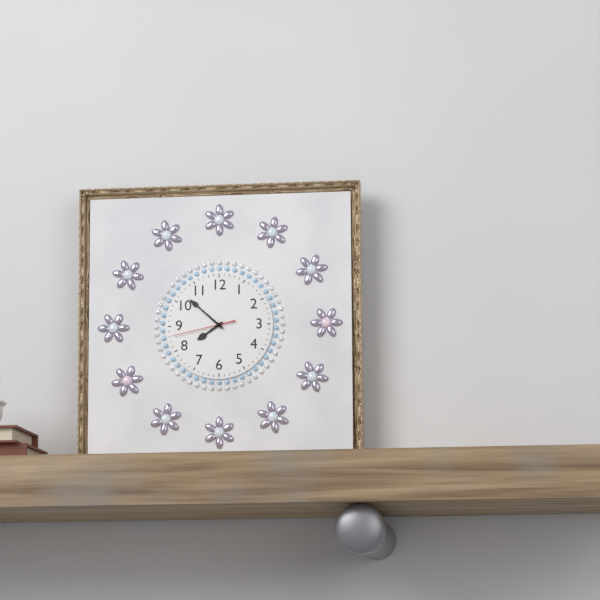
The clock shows 7:52:43
